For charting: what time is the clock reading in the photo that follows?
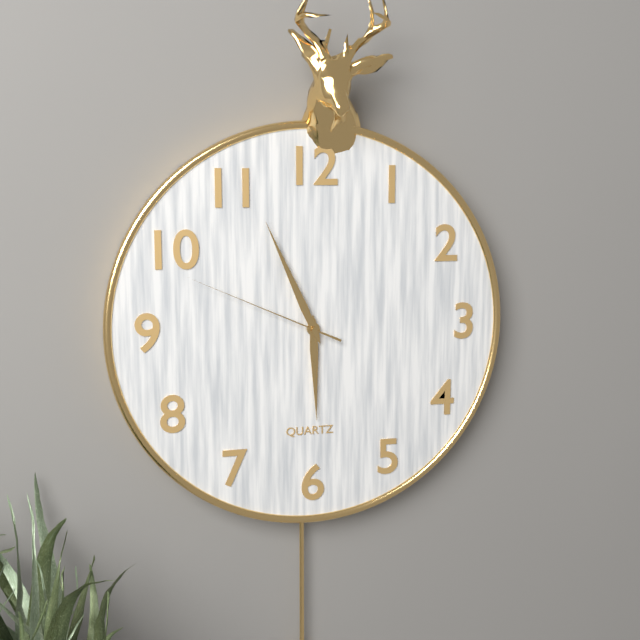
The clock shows 5:56:49
